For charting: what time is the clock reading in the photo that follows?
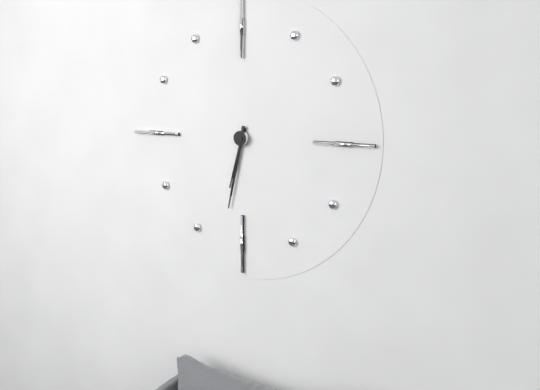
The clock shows 6:32
